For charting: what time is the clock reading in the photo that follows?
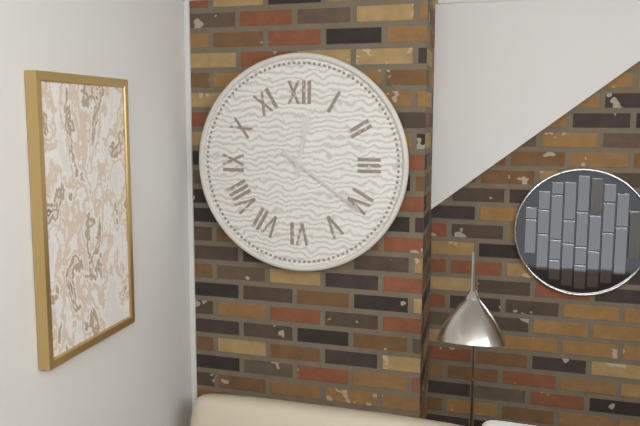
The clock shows 12:21
